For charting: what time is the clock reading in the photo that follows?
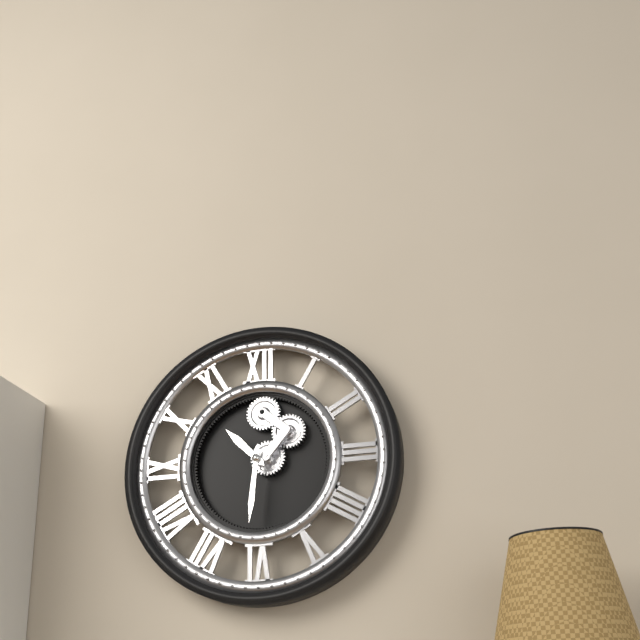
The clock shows 10:31
